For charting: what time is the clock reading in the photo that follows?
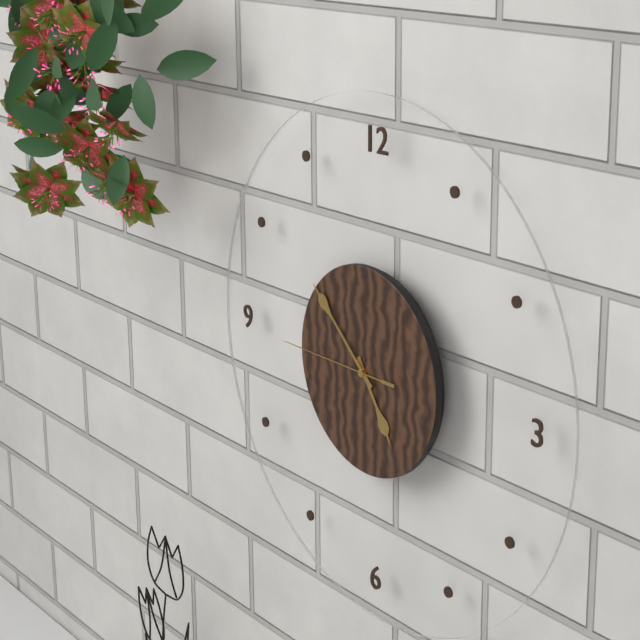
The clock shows 4:52:45
